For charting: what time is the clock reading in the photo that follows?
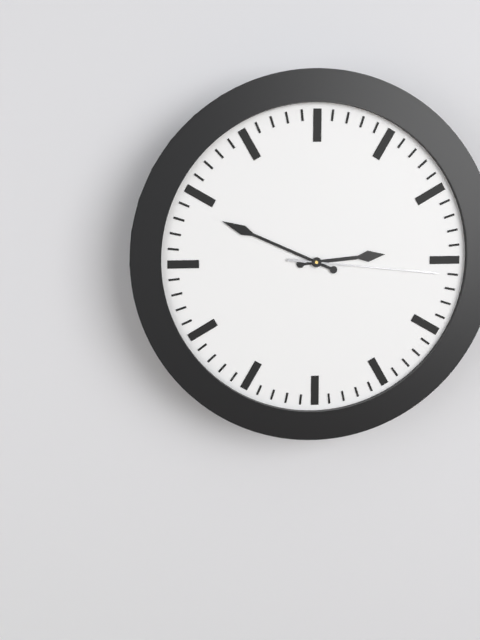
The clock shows 2:49:16
